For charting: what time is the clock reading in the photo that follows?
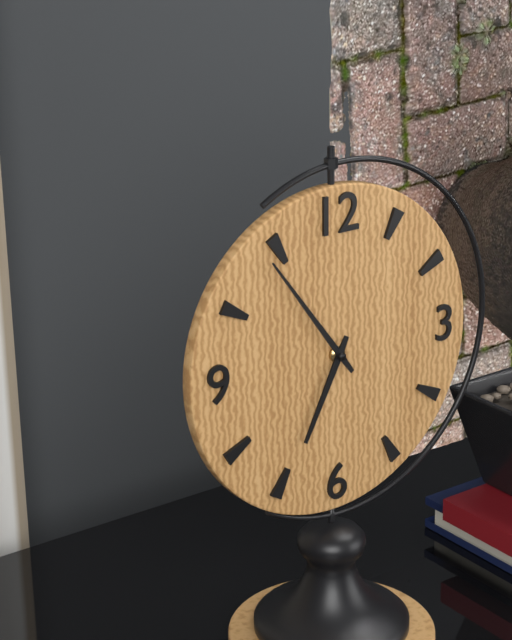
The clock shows 6:54
